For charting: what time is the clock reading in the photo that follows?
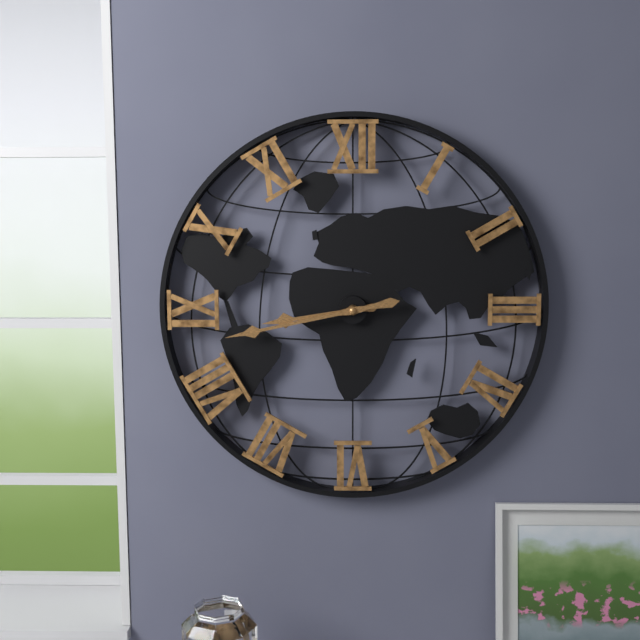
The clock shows 8:43
